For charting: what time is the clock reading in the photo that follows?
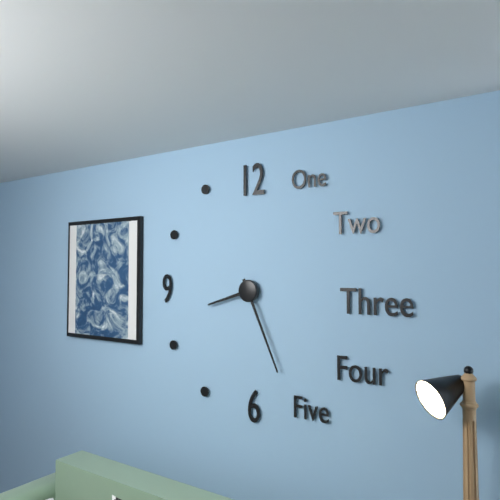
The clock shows 8:26
